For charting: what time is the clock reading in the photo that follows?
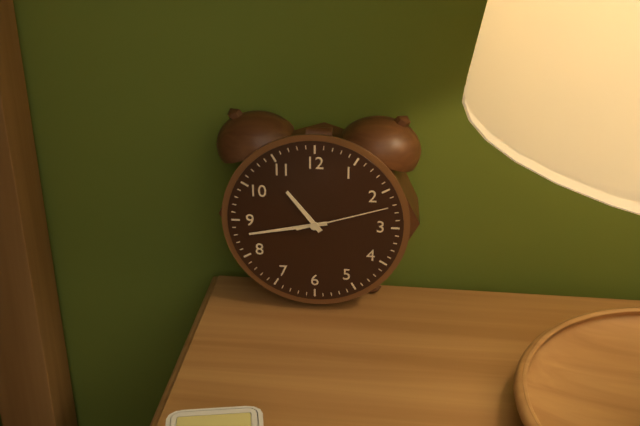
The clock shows 10:43:12
